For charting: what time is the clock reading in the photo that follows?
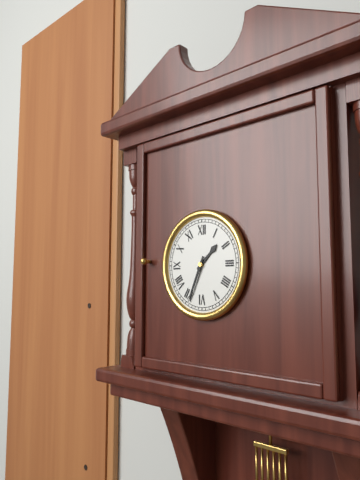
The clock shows 1:34
